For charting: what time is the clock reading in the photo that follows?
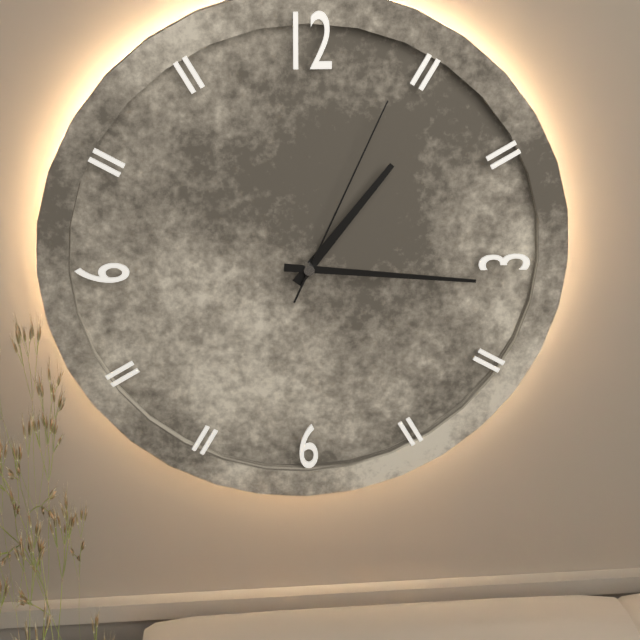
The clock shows 1:16:04
